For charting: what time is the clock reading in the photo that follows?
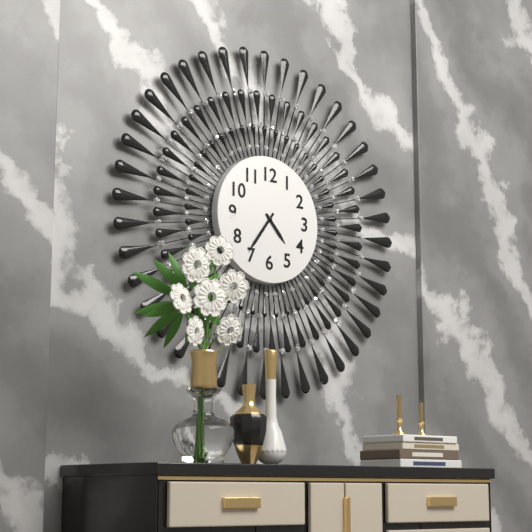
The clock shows 4:36
